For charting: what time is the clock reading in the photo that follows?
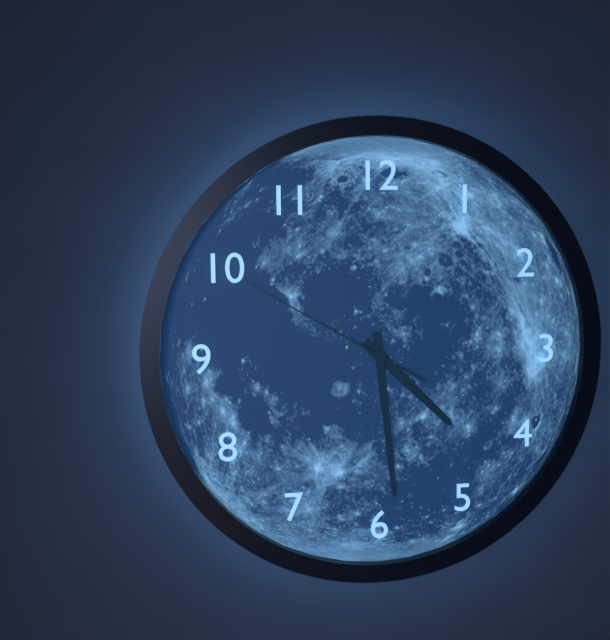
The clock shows 4:29:50
